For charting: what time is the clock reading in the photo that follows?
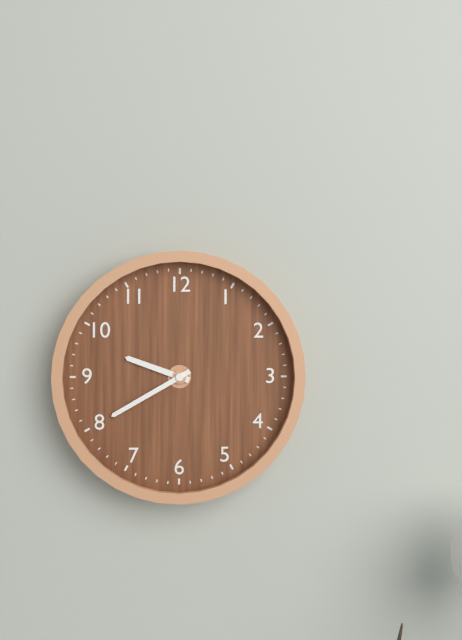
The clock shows 9:40
